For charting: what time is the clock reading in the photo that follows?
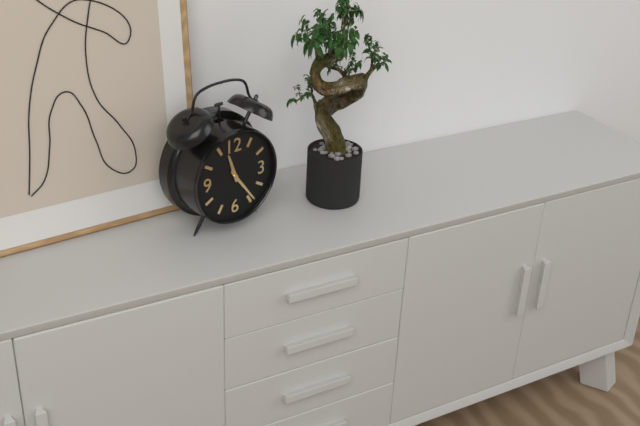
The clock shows 11:24
